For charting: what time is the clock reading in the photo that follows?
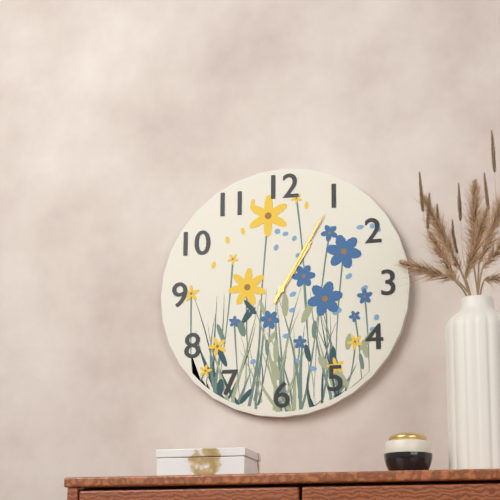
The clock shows 1:05
